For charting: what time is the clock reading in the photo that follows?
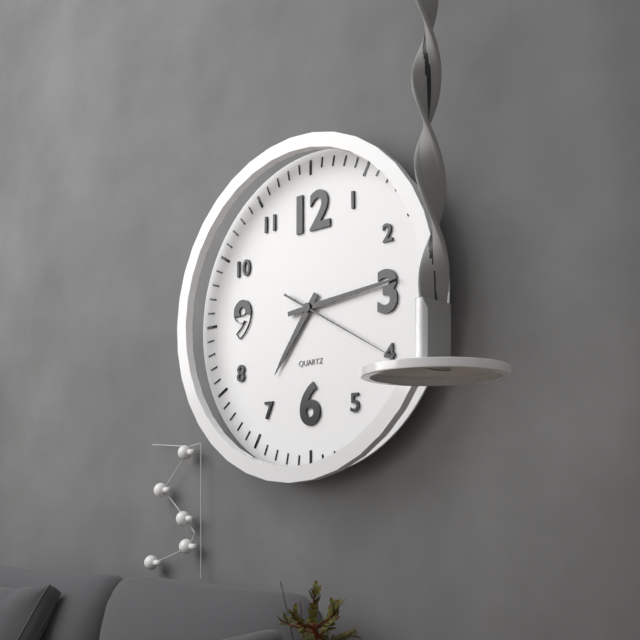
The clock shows 7:14:20
